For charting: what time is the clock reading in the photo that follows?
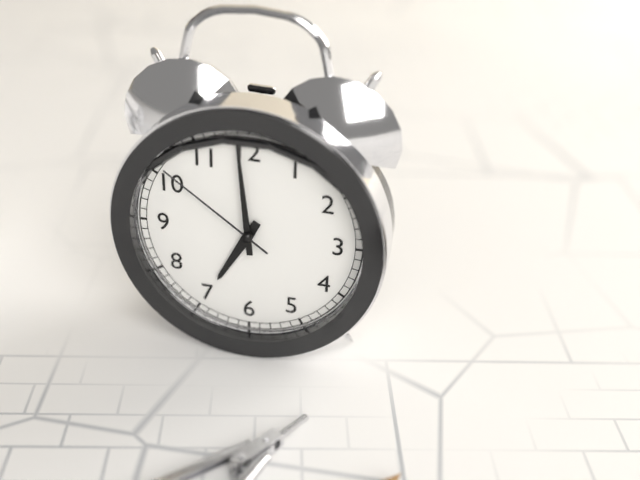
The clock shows 6:59:51
